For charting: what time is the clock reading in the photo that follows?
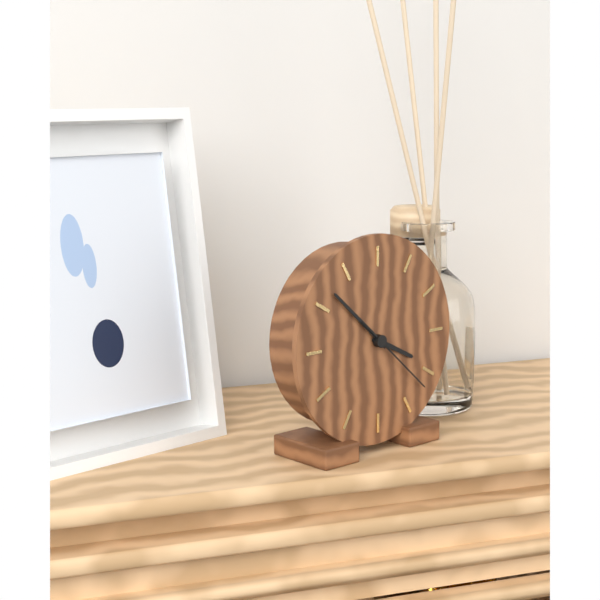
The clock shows 3:52:22
